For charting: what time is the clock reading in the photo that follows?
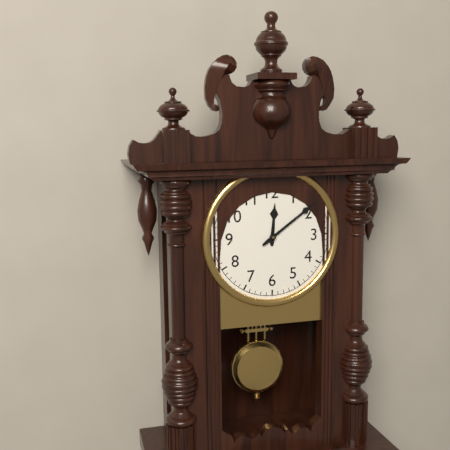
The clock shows 12:09
